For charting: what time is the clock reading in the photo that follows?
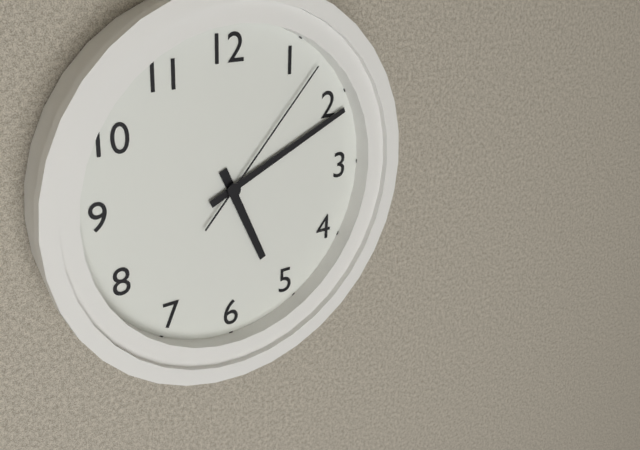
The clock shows 5:11:07
